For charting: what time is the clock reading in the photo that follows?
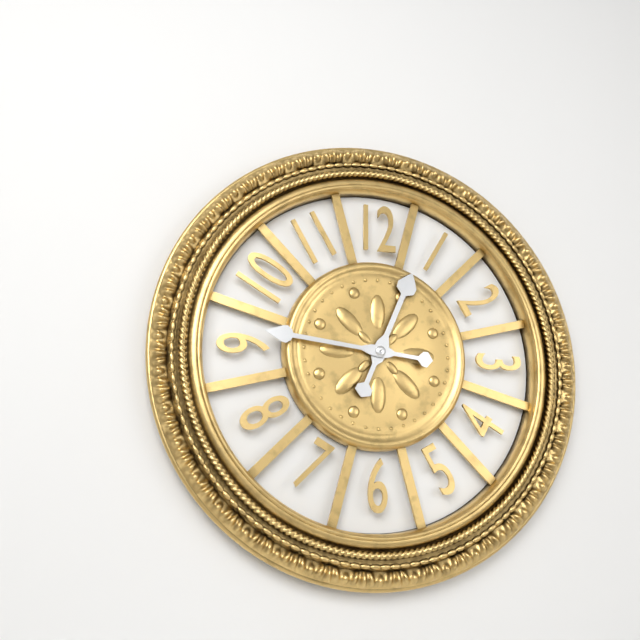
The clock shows 12:46
